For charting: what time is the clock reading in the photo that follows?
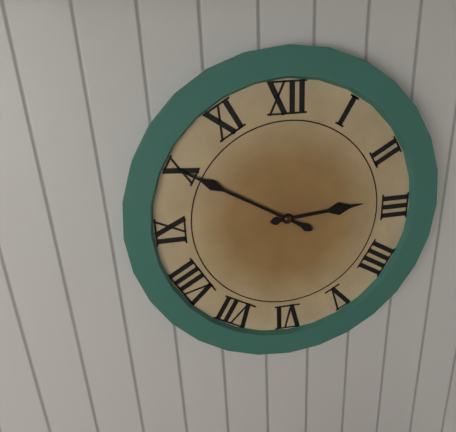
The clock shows 2:50
